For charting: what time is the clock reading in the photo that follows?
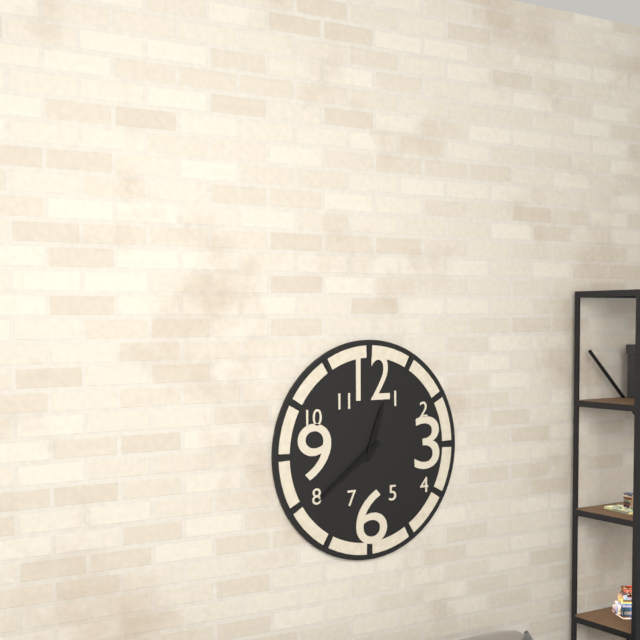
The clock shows 12:39
